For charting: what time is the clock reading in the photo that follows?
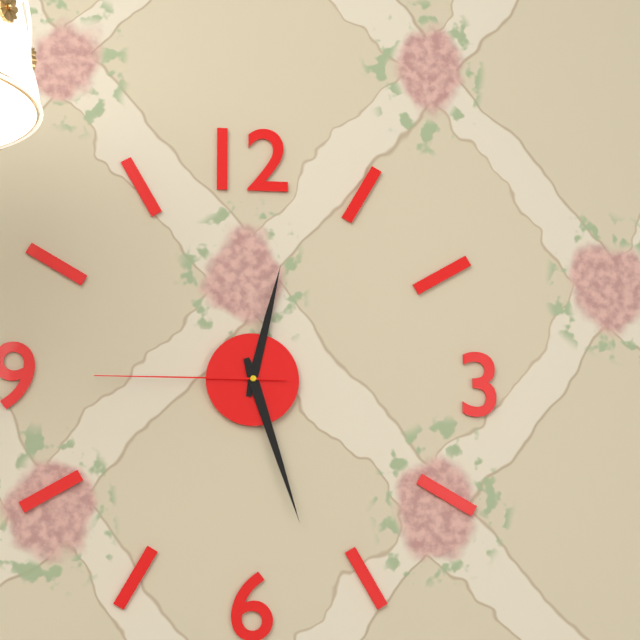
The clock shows 12:27:45
